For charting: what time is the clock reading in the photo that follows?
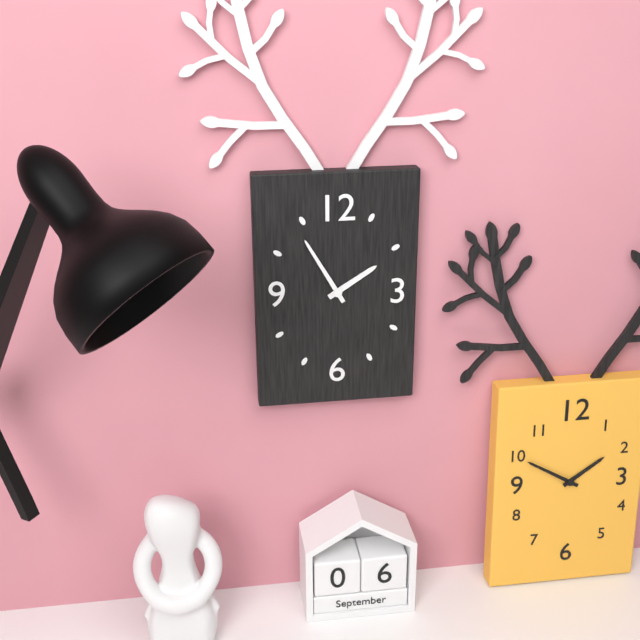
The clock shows 1:55
